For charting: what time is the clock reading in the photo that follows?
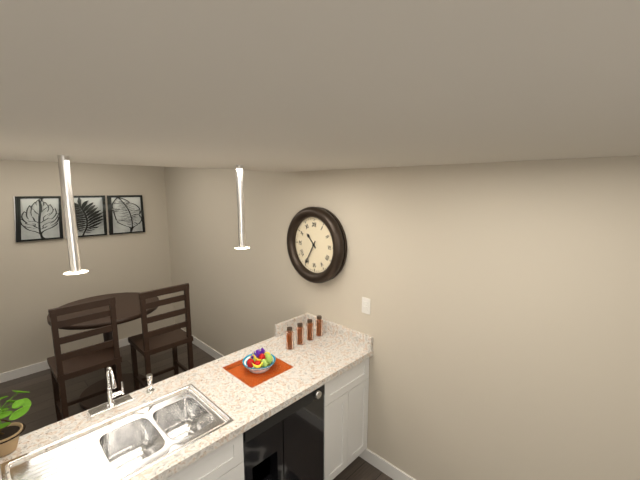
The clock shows 10:35
